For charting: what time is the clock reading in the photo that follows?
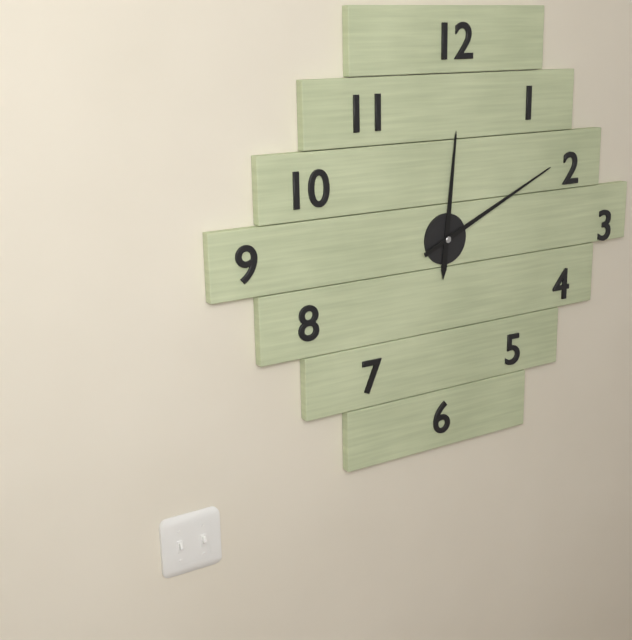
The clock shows 12:11
